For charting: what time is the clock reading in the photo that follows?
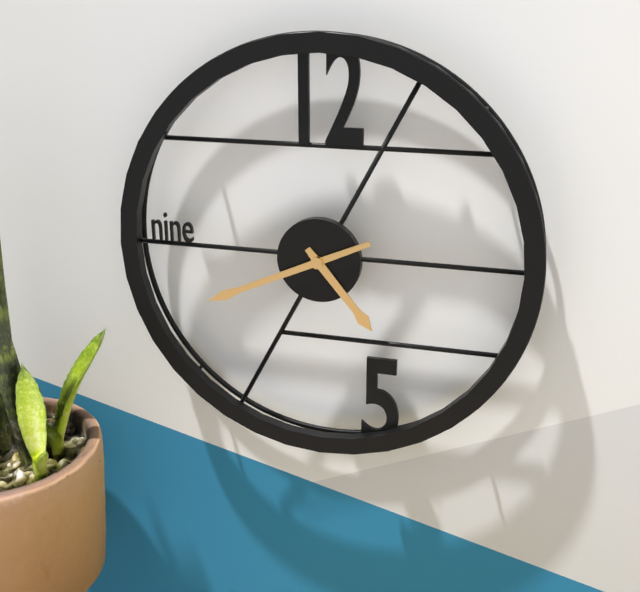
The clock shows 4:41
